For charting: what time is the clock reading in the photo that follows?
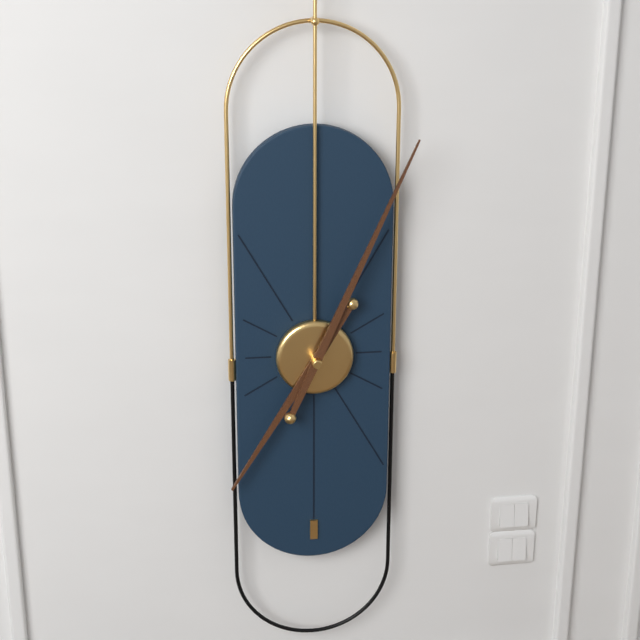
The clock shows 7:04
